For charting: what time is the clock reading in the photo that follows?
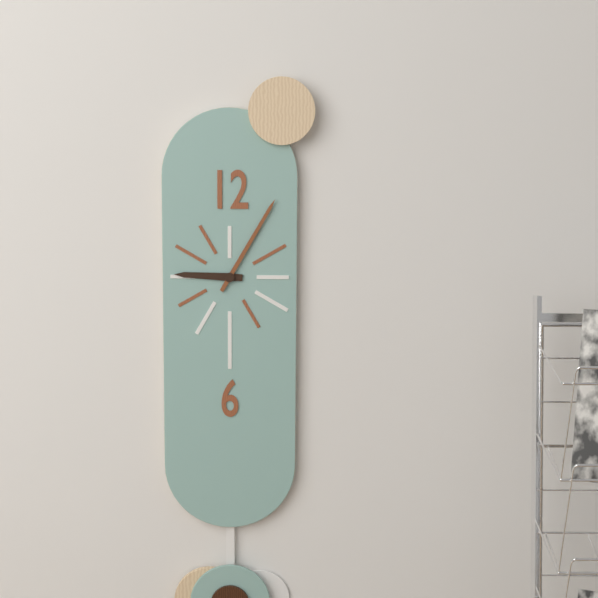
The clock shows 9:05
